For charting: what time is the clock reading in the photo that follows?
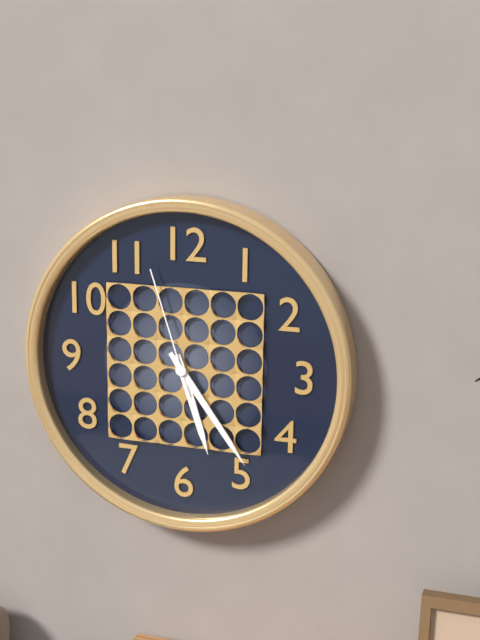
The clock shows 5:24:57
